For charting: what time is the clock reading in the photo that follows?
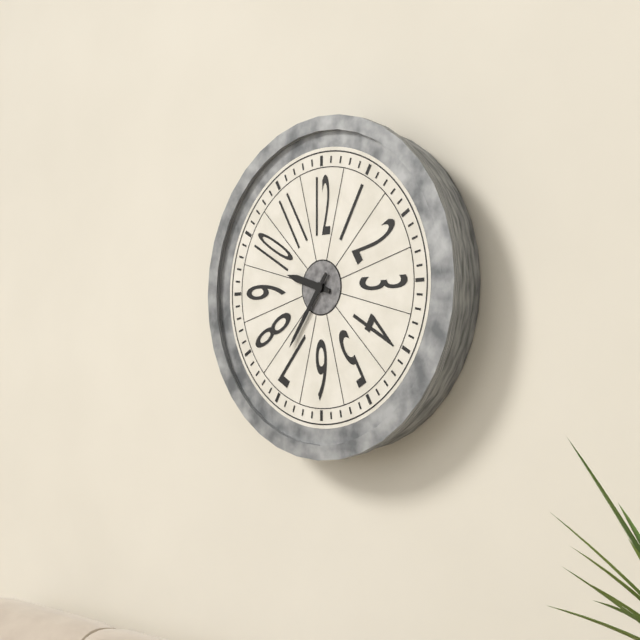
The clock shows 9:36
